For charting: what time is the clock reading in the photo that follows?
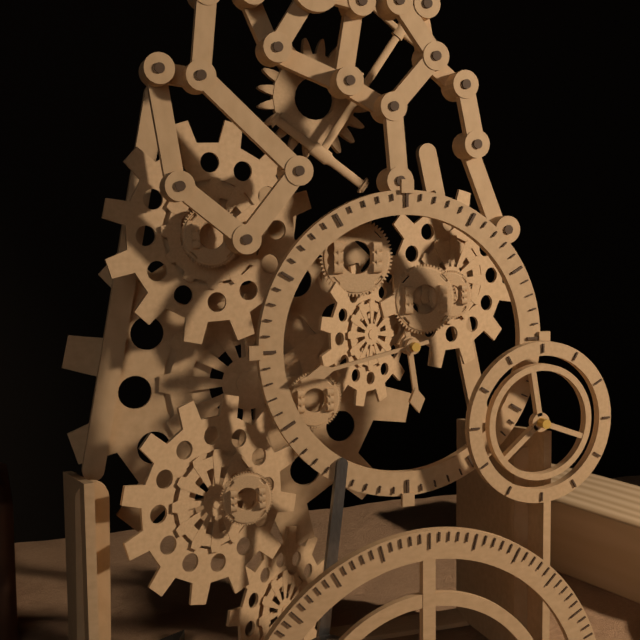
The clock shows 5:43
